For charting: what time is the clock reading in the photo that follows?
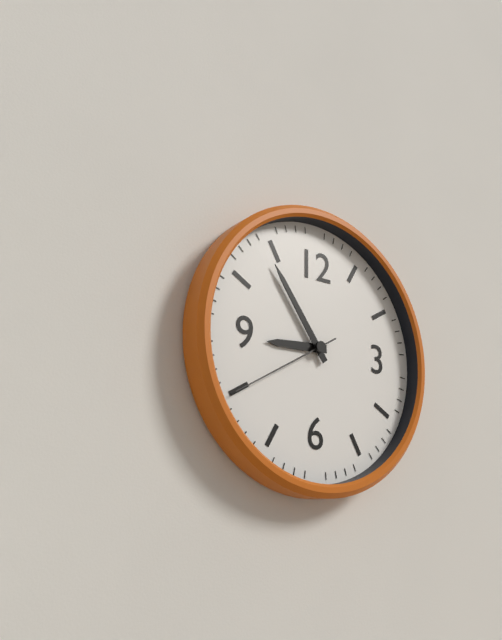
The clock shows 8:54:40
